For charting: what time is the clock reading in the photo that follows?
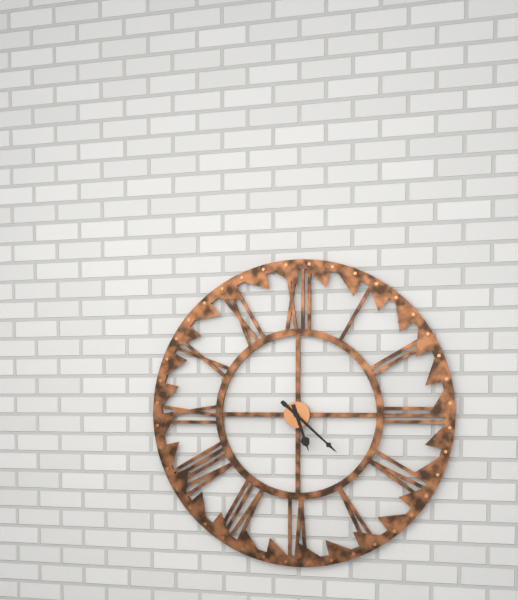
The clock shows 5:22
